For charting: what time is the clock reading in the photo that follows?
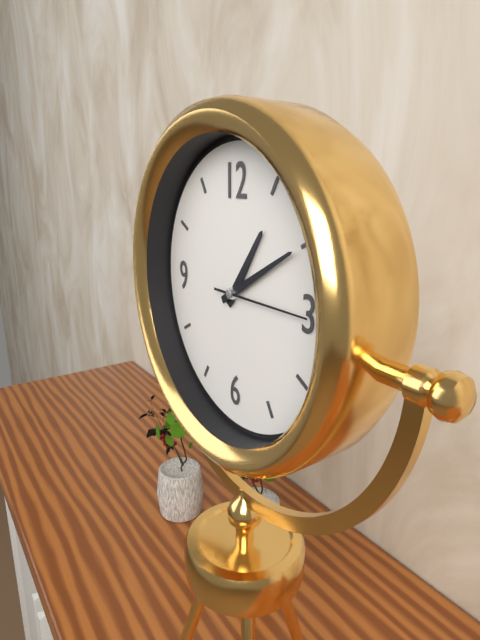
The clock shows 1:10:15
